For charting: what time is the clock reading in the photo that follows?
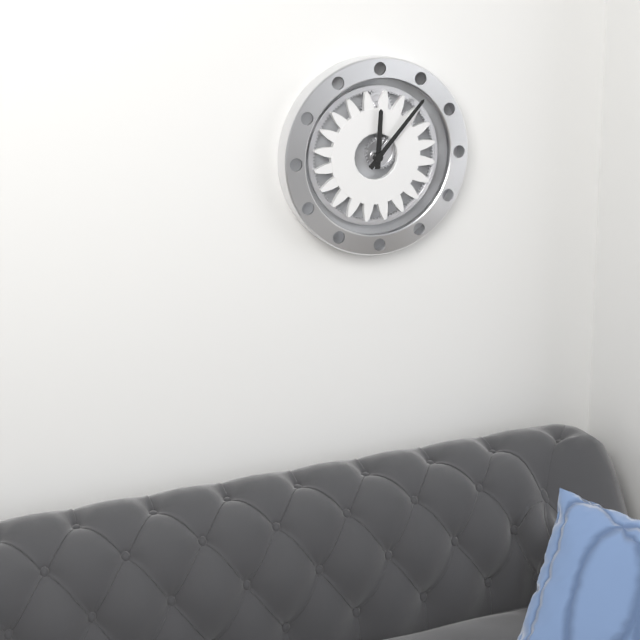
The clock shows 12:07
